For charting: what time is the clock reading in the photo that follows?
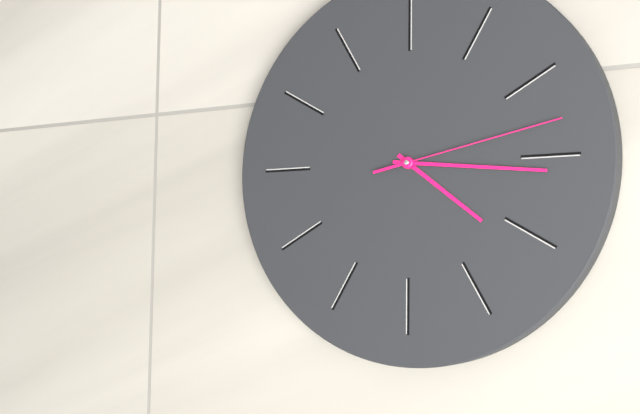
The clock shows 4:16:13
